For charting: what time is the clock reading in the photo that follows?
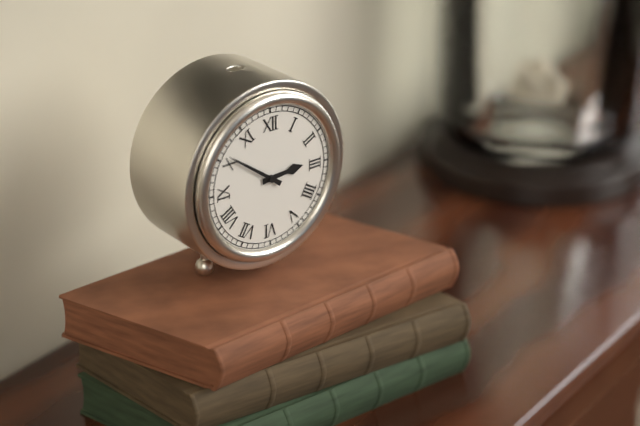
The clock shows 2:51
